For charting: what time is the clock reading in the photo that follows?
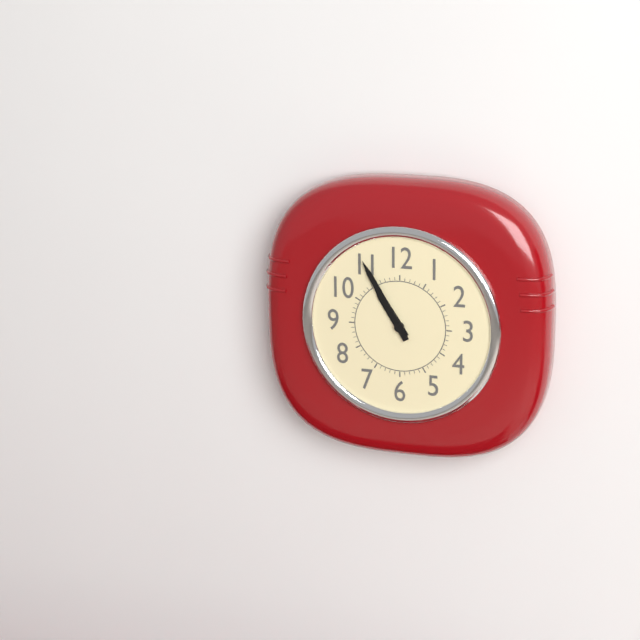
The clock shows 10:55
